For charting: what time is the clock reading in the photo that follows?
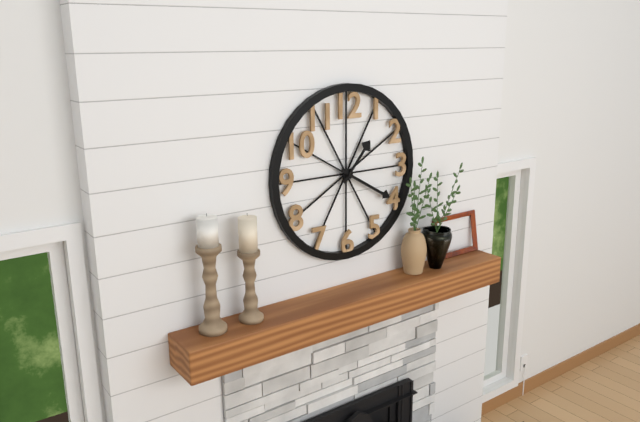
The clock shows 1:20
